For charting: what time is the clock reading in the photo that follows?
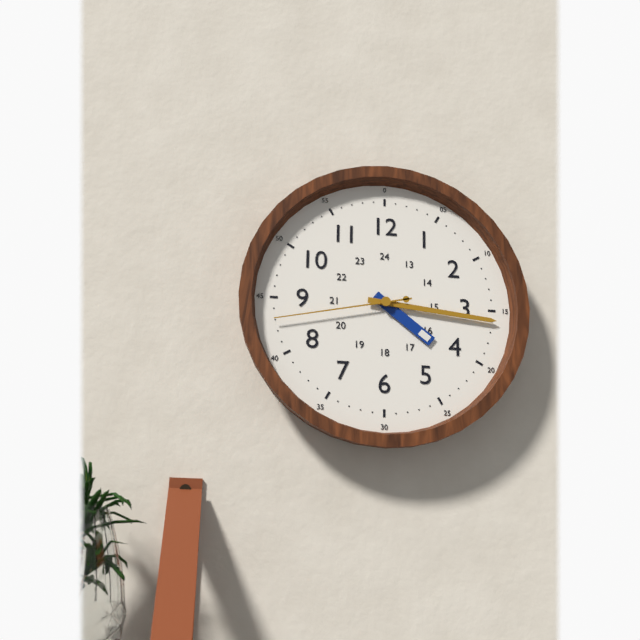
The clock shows 4:16:43
